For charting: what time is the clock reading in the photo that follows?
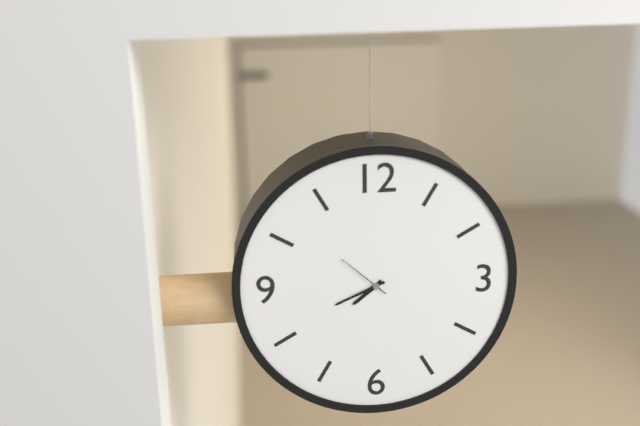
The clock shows 7:41
